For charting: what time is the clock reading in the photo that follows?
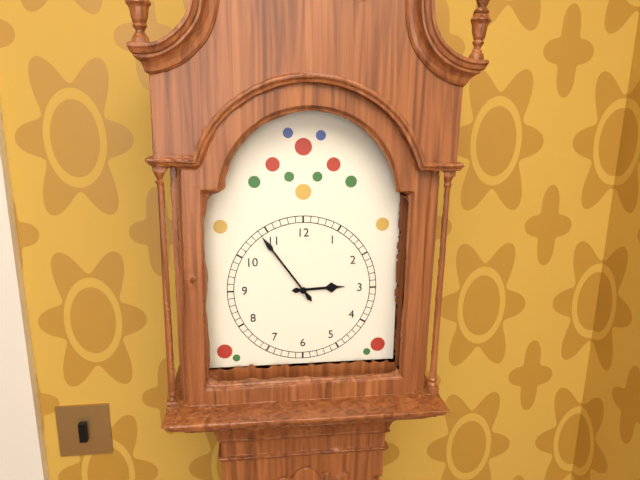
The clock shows 2:54
